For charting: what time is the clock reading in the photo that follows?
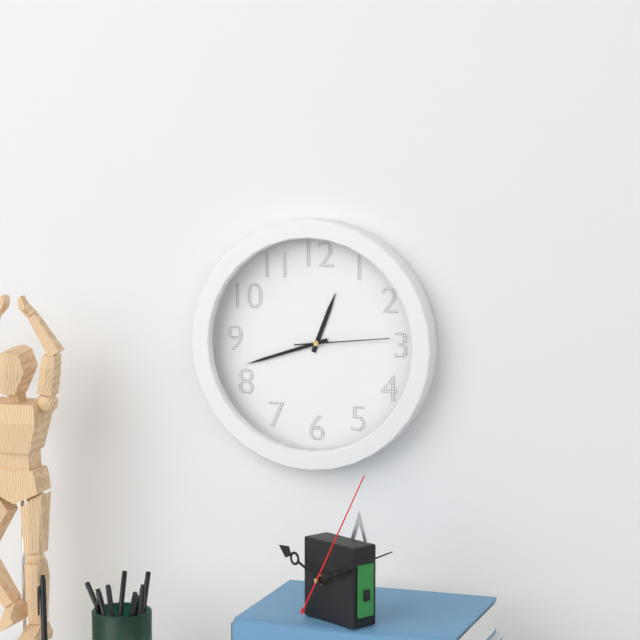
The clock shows 12:42:14
